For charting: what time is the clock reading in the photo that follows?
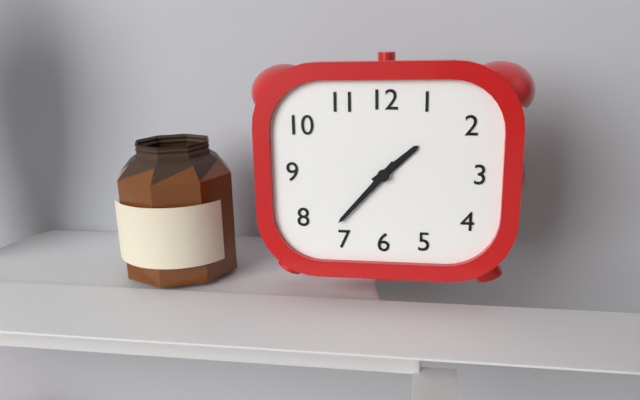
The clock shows 1:37
